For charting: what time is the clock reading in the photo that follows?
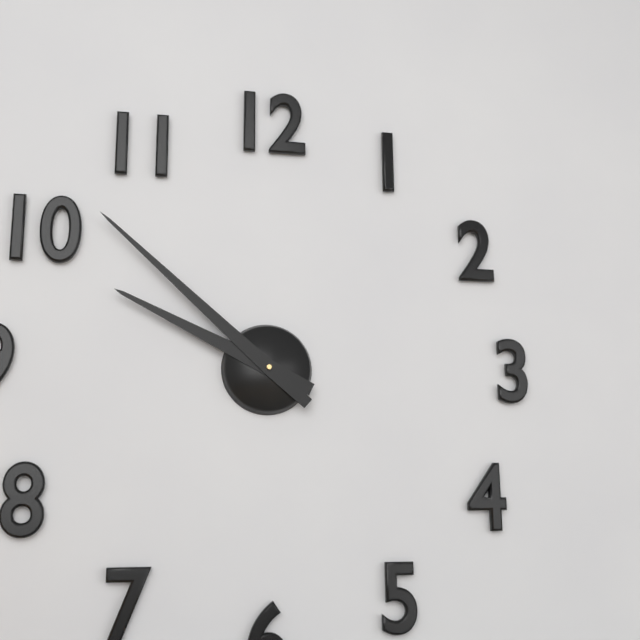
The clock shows 9:52
